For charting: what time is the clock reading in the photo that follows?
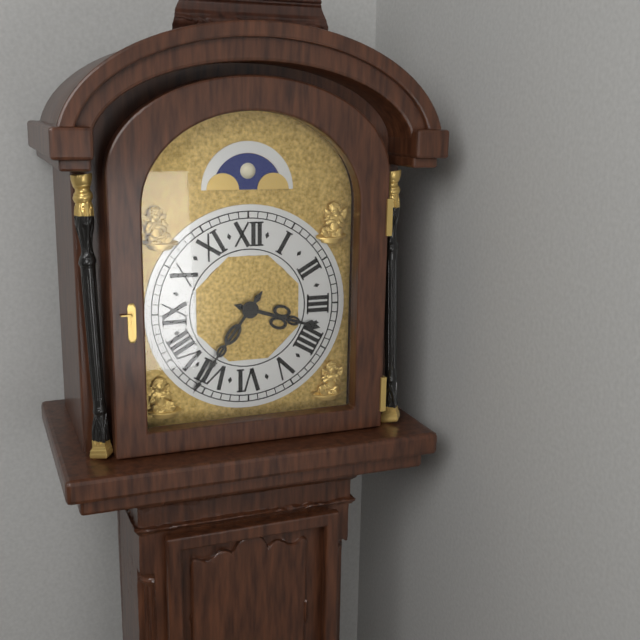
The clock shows 3:36
